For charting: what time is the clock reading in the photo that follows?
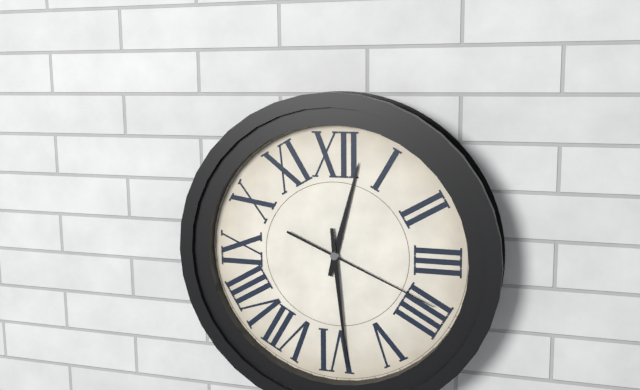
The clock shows 12:29:19
